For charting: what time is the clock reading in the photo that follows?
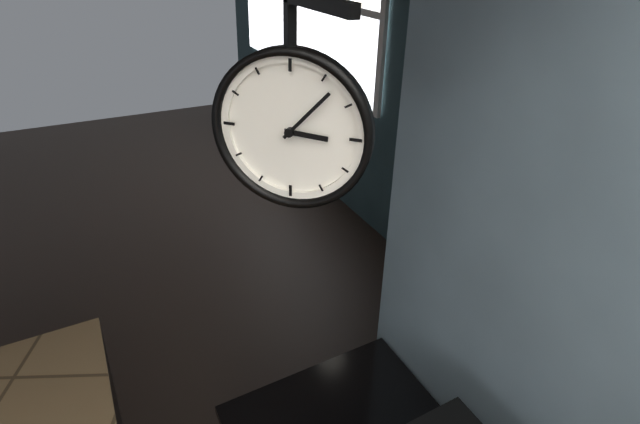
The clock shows 3:07
